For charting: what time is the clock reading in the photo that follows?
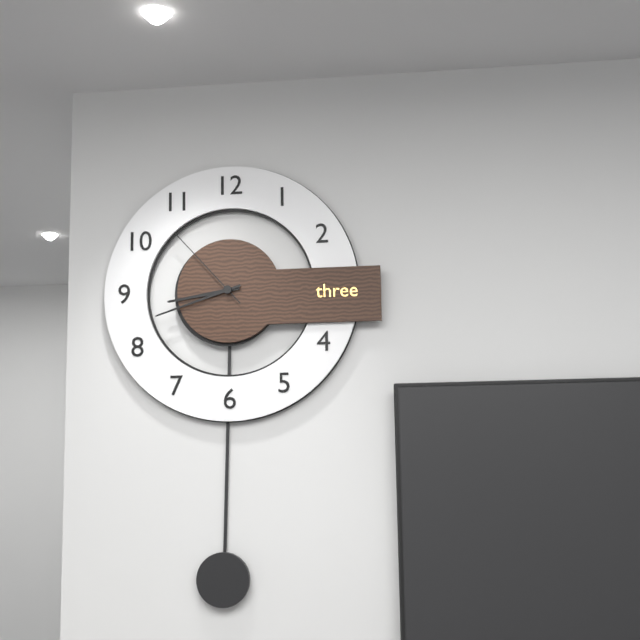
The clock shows 8:42:53
